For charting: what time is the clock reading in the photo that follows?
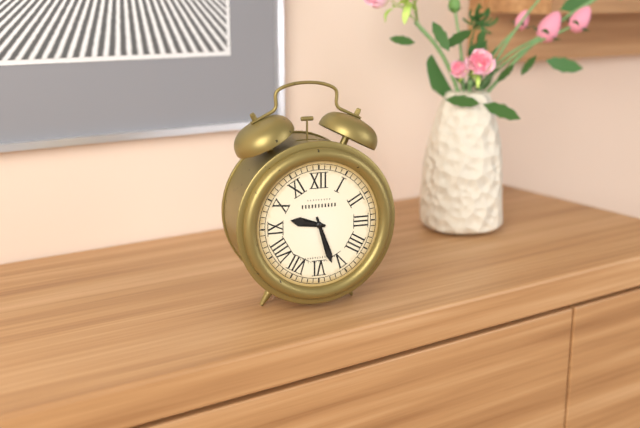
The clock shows 9:27
